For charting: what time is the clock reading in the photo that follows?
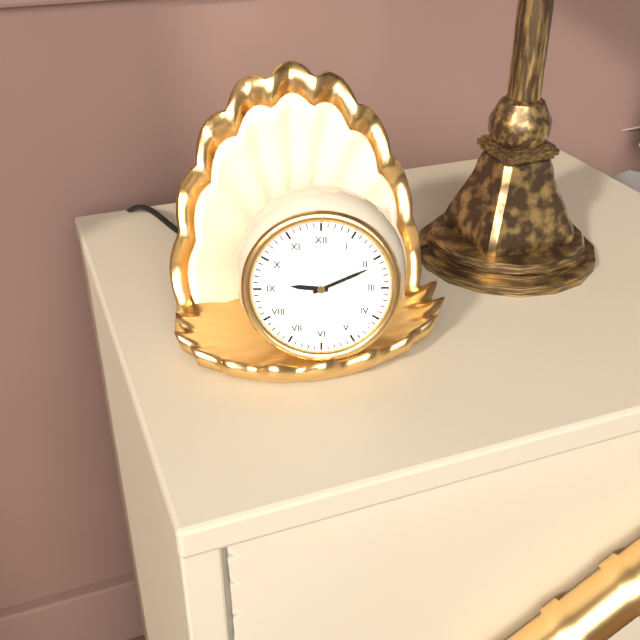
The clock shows 9:11
